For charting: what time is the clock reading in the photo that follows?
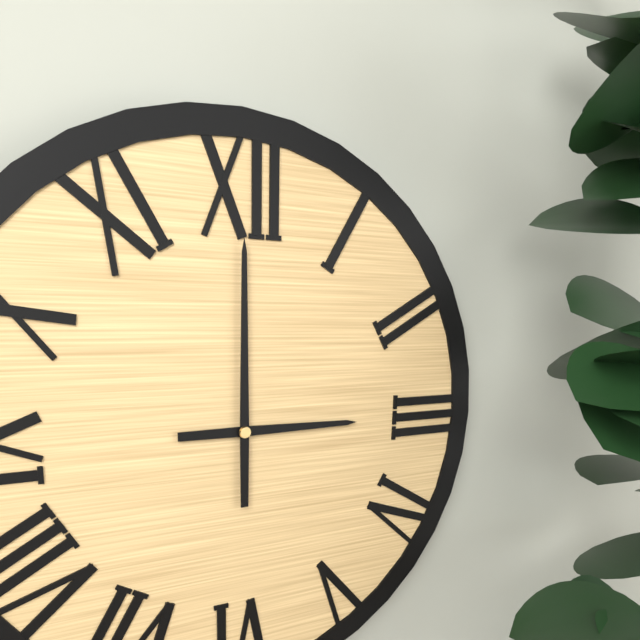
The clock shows 3:00
